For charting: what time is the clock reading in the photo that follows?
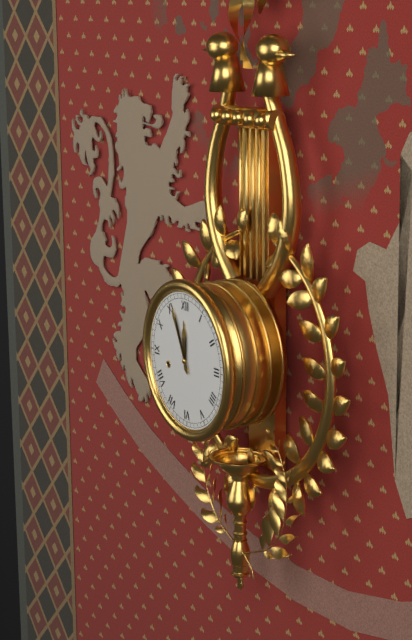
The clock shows 11:56
